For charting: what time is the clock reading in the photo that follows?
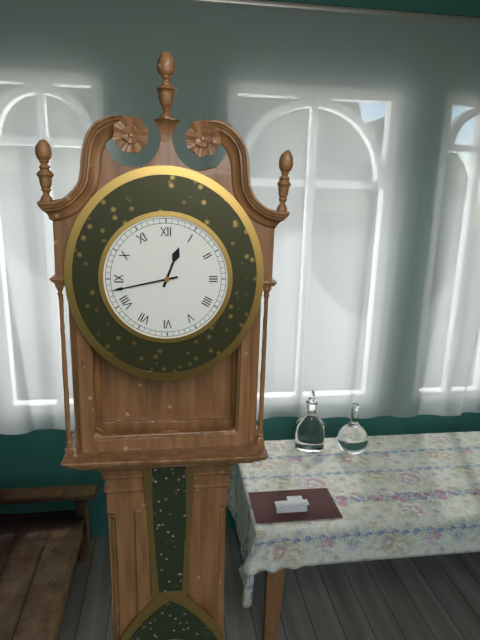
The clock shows 12:43
